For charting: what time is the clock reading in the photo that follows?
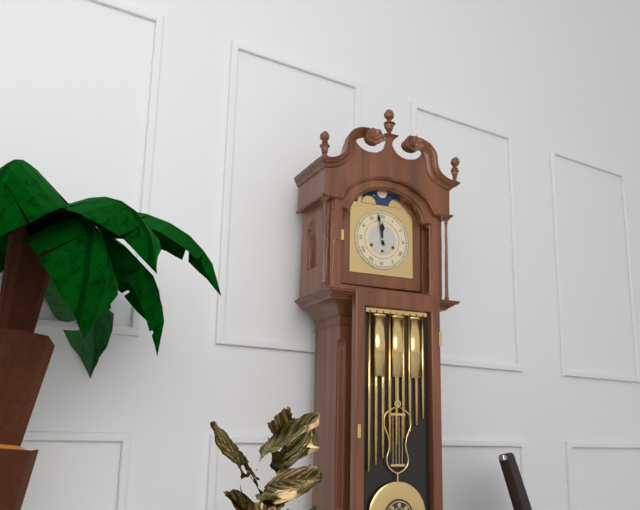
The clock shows 11:58
